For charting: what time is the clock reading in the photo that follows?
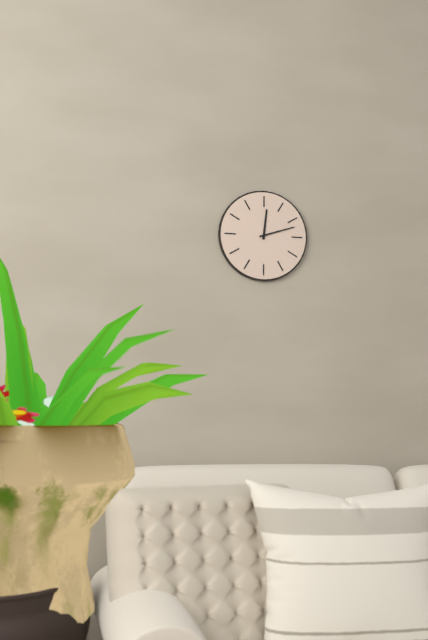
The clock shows 12:12
